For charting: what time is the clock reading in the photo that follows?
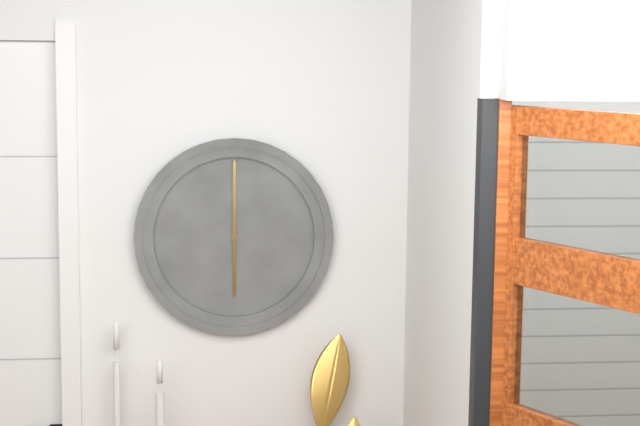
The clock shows 6:00
